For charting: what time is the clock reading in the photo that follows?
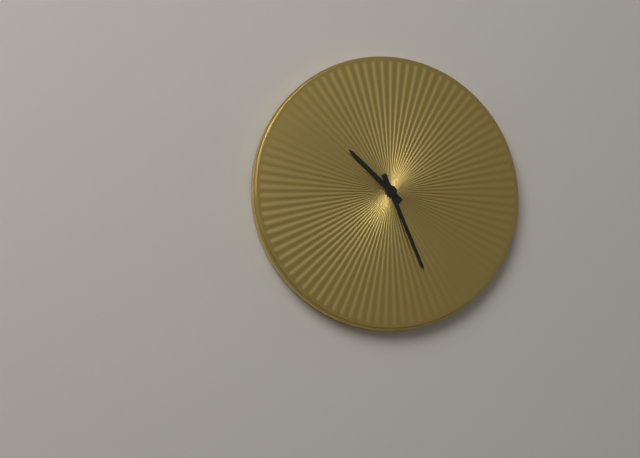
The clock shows 10:26
